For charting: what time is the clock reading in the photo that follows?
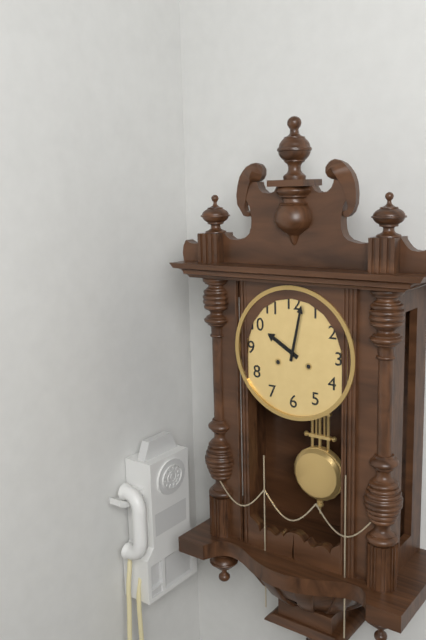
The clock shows 10:02
